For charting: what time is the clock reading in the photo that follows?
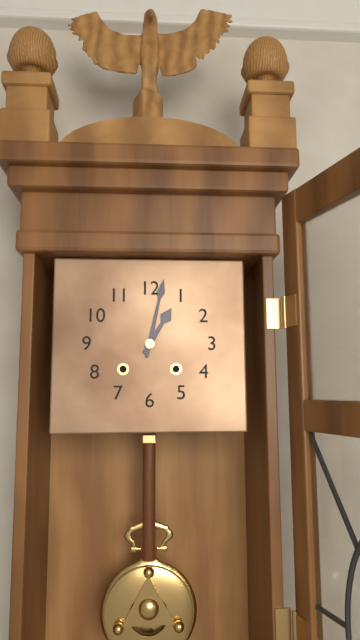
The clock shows 1:02
